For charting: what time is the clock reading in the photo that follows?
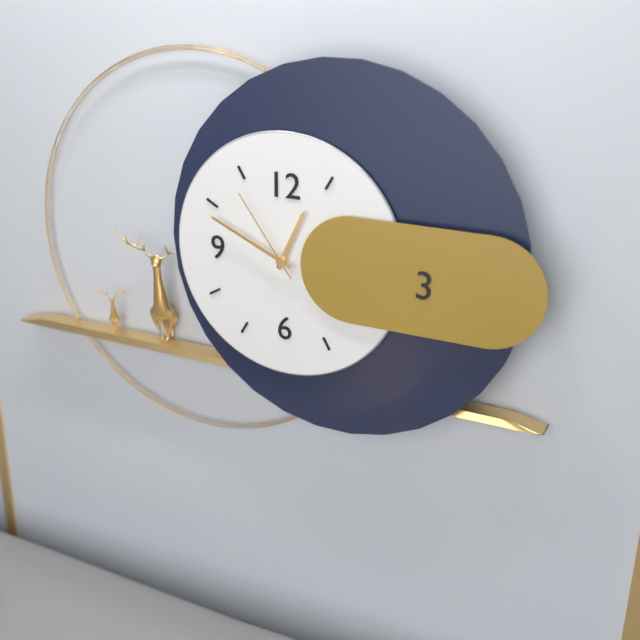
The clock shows 12:49:54
